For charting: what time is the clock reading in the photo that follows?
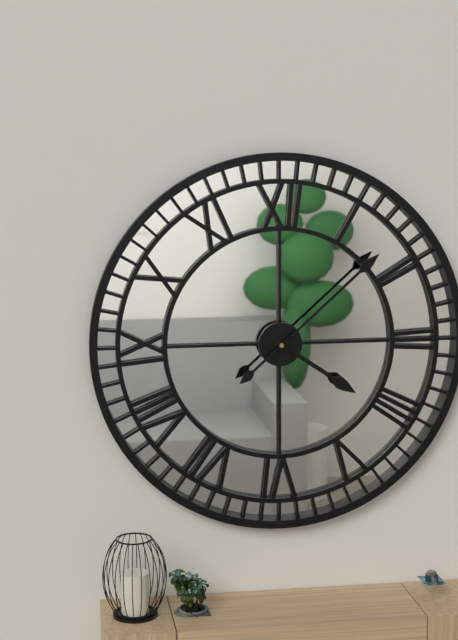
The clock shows 4:08
